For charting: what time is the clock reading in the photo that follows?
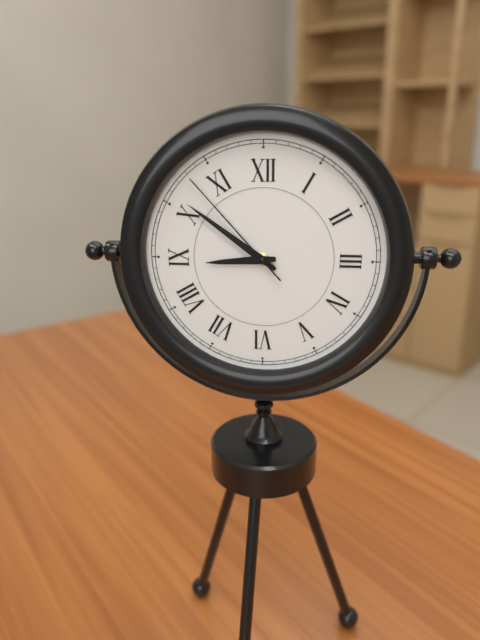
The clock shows 8:51:53
